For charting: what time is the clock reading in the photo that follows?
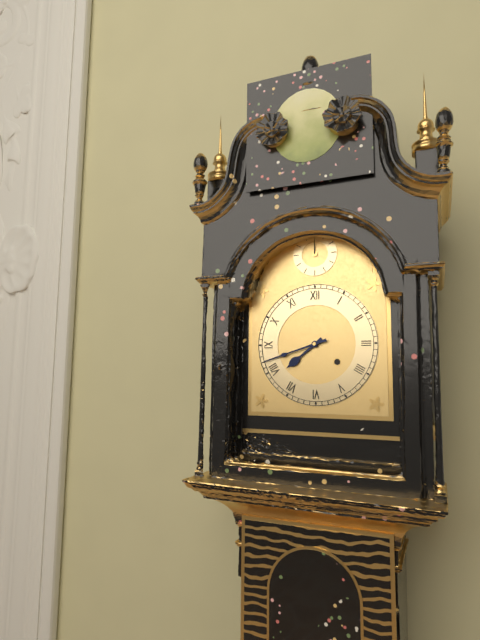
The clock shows 7:42
